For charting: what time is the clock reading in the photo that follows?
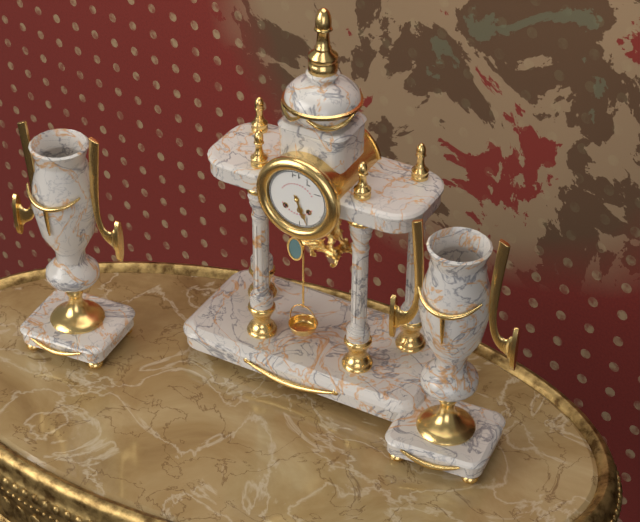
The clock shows 5:26
